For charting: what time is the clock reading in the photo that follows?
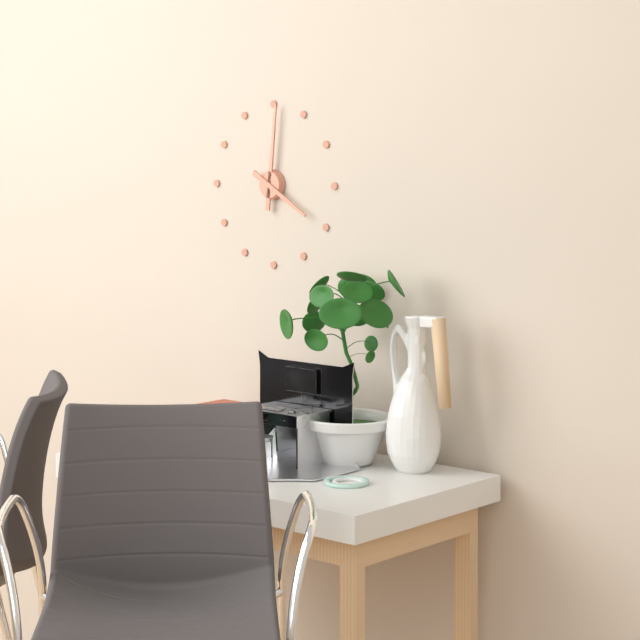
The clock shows 4:01
